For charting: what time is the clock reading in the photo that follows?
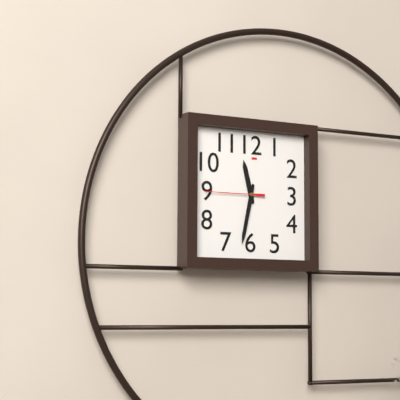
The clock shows 11:32:45
